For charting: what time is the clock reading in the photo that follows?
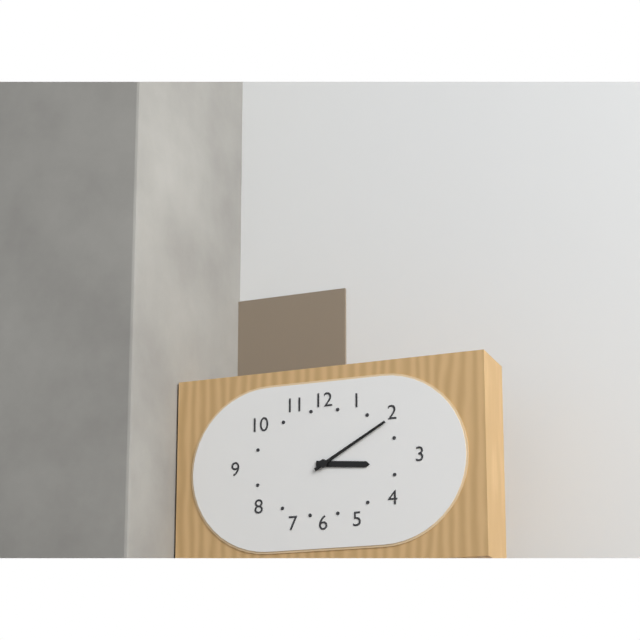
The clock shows 3:10
